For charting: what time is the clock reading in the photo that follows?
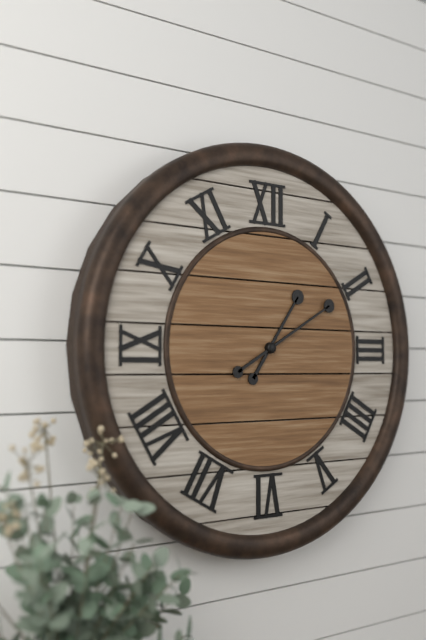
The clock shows 1:10
